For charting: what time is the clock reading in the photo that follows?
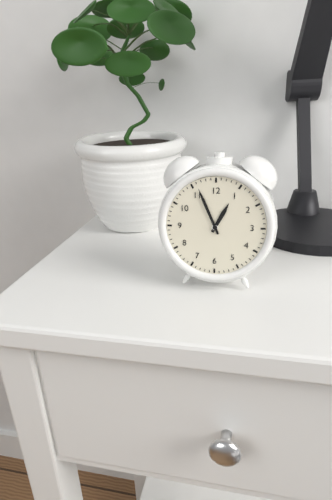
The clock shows 12:56
